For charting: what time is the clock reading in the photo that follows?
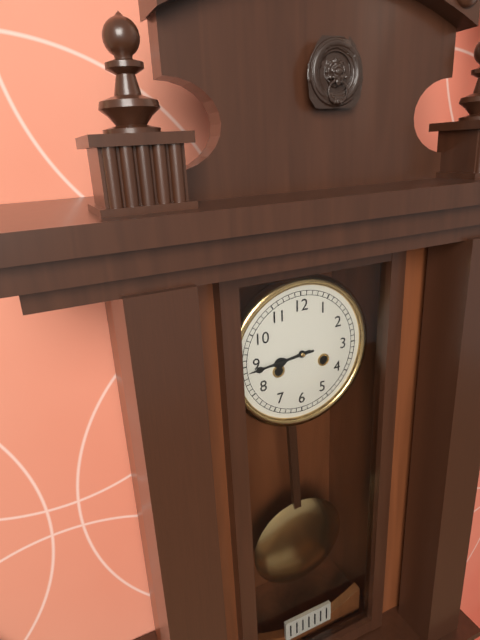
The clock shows 8:44
